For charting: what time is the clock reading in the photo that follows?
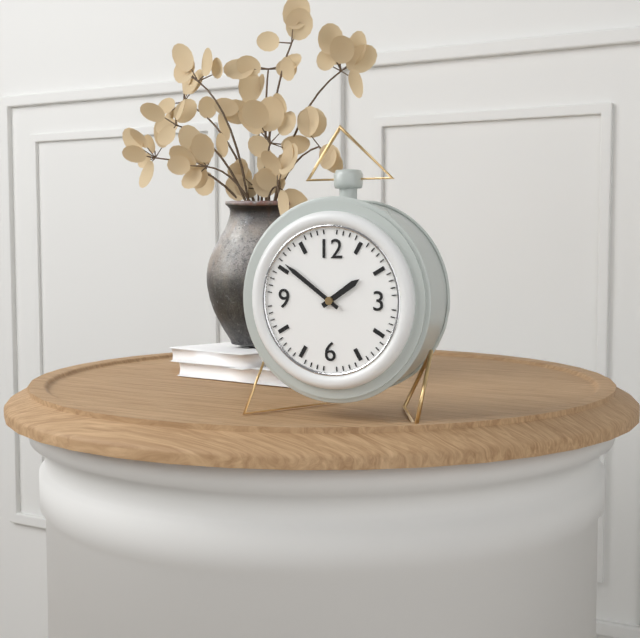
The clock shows 1:51
